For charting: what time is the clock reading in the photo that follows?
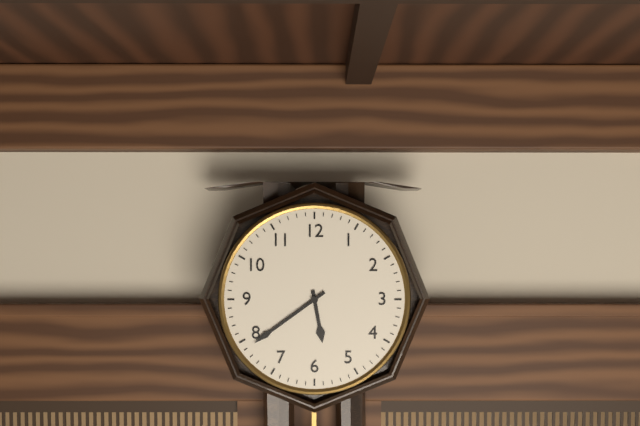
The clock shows 5:39
